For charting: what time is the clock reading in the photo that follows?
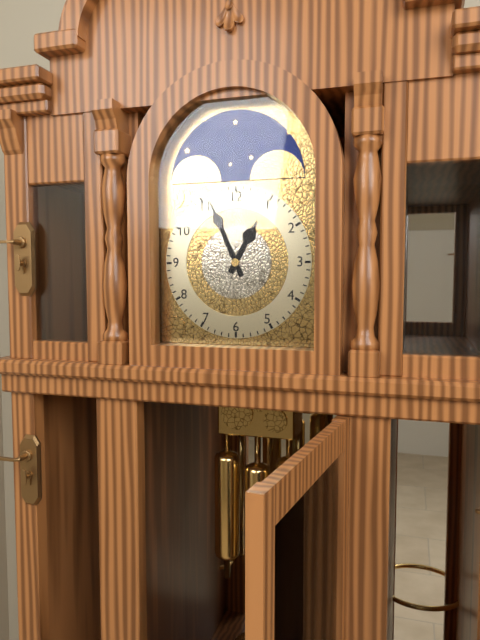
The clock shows 12:56
